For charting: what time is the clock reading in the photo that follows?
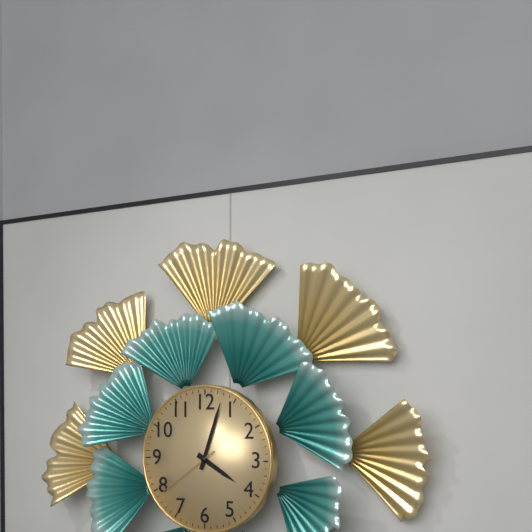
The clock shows 4:03:39
